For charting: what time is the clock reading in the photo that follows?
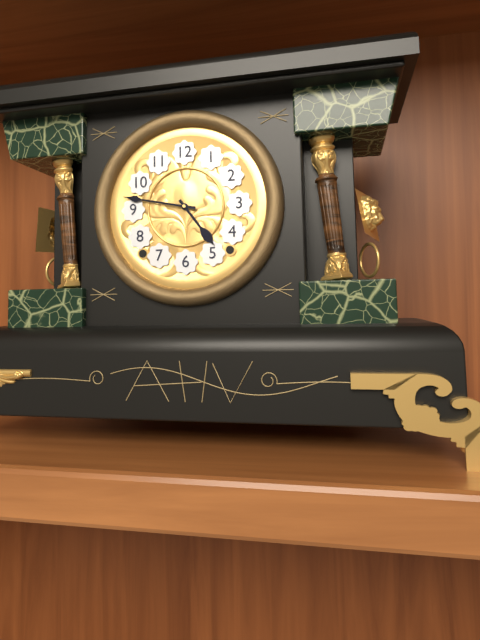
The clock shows 4:47
